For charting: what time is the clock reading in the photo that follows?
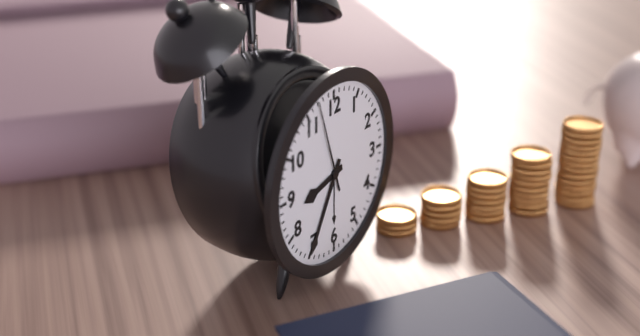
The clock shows 8:35:57
